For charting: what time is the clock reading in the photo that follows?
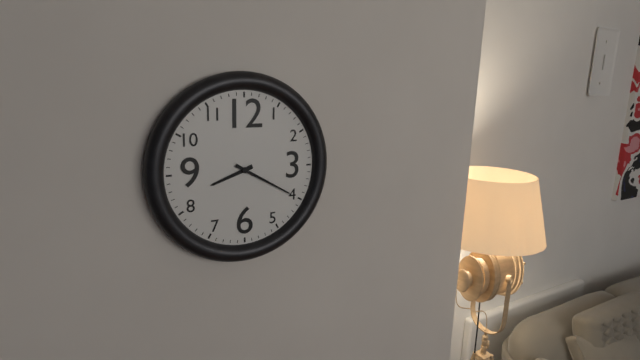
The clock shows 8:20
